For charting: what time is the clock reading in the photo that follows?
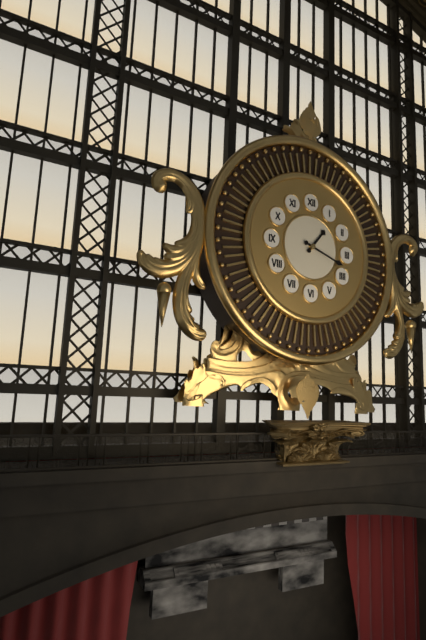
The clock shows 1:18
